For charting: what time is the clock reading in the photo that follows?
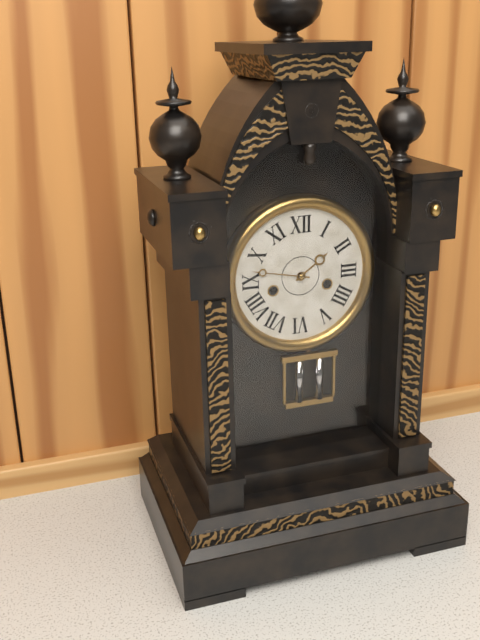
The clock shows 1:47
